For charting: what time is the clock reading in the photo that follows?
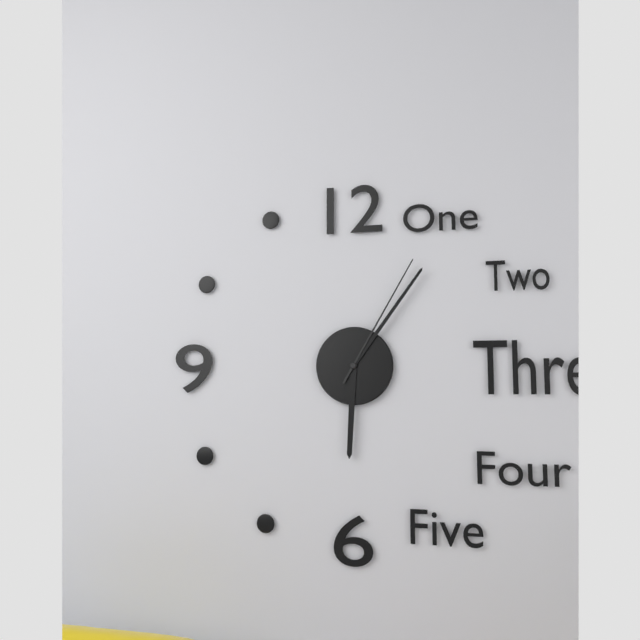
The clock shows 6:06:05
